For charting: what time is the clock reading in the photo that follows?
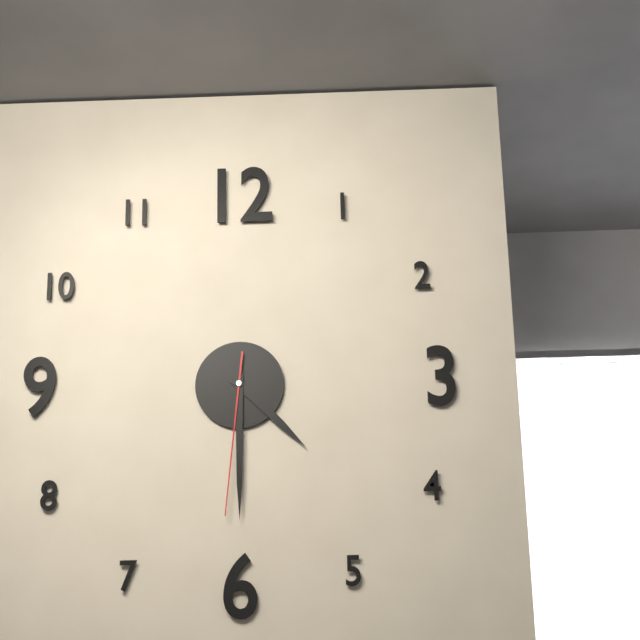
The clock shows 4:30:31
